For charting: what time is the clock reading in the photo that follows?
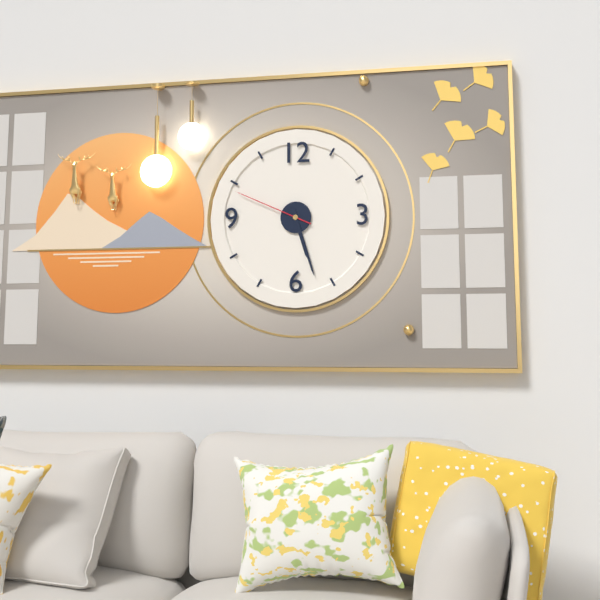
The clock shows 5:27:49
